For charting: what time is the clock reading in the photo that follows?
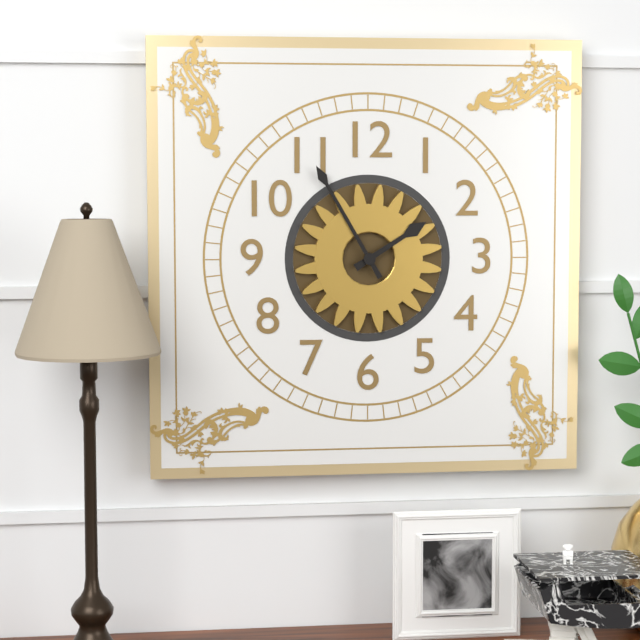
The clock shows 1:55
